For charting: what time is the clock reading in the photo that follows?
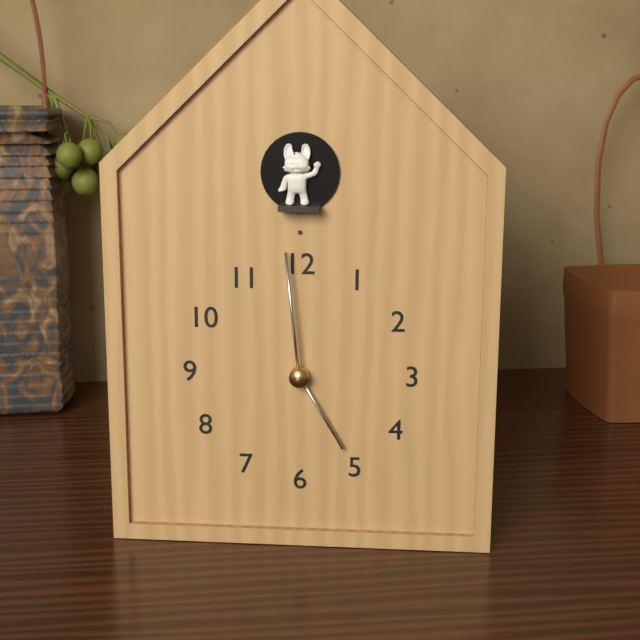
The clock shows 4:59
